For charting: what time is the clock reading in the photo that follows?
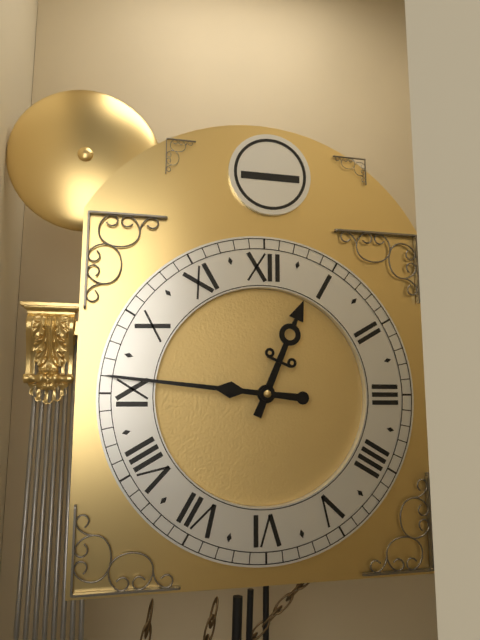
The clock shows 12:46
